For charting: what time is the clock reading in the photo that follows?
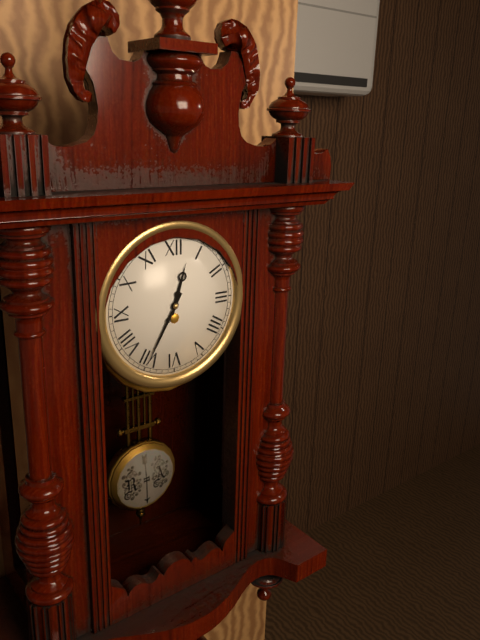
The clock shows 12:35
